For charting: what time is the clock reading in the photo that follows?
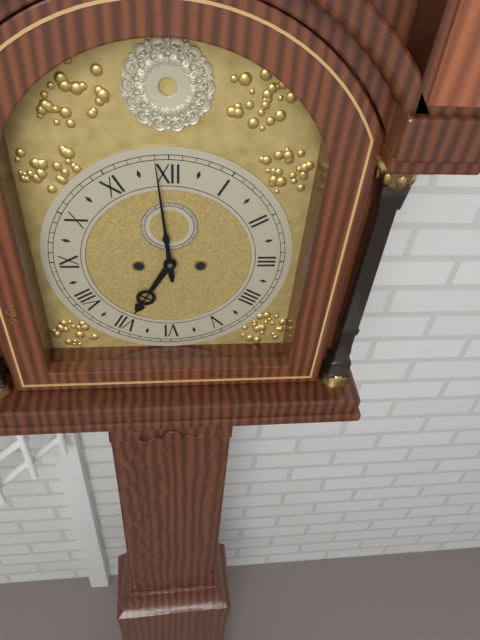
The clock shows 6:59
